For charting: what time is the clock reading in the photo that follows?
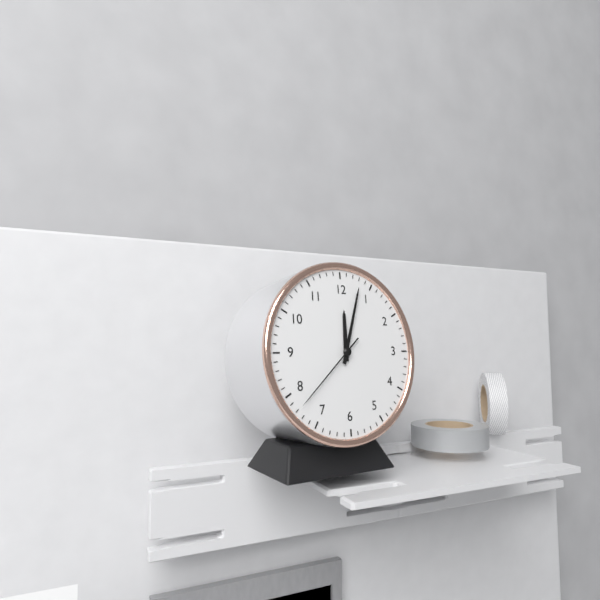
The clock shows 12:03:38
